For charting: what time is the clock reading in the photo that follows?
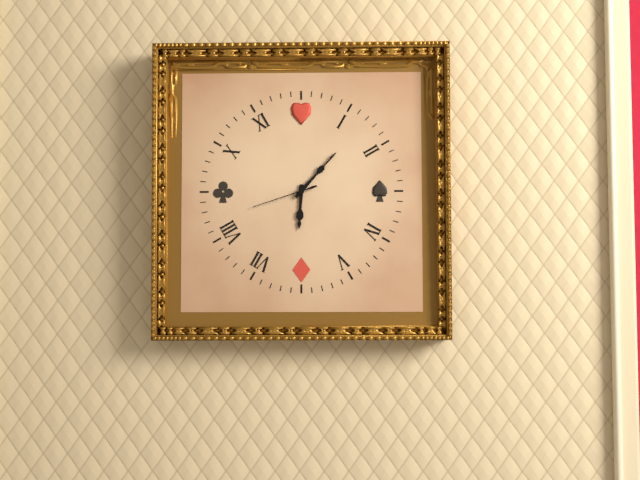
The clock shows 6:07:42
